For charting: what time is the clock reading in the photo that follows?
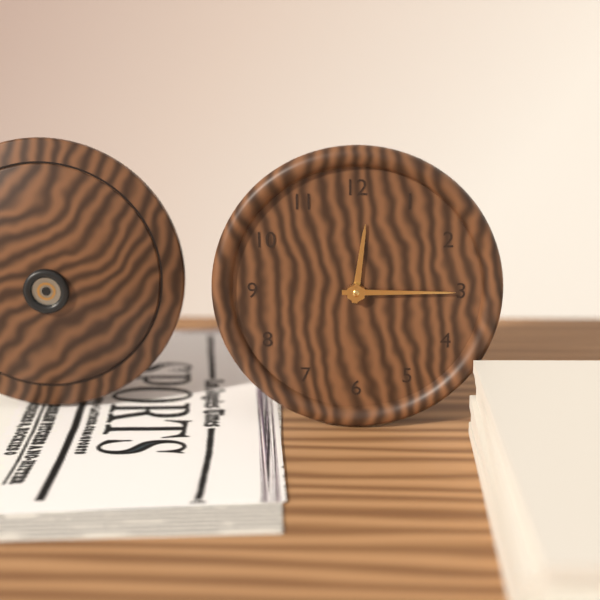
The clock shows 12:15
